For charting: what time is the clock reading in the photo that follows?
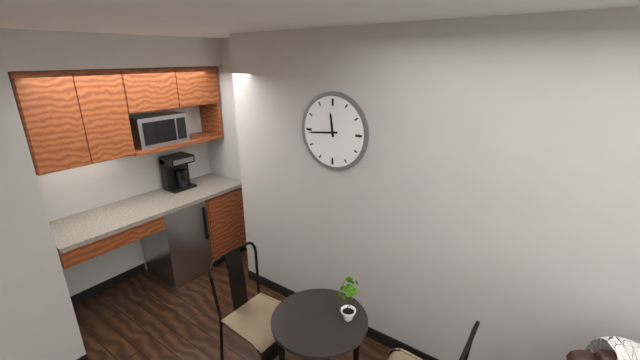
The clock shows 11:44
